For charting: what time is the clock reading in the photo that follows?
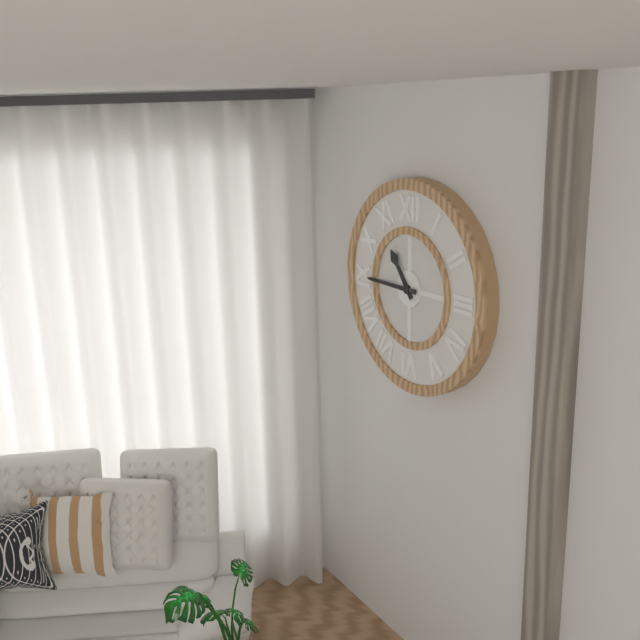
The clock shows 10:45
